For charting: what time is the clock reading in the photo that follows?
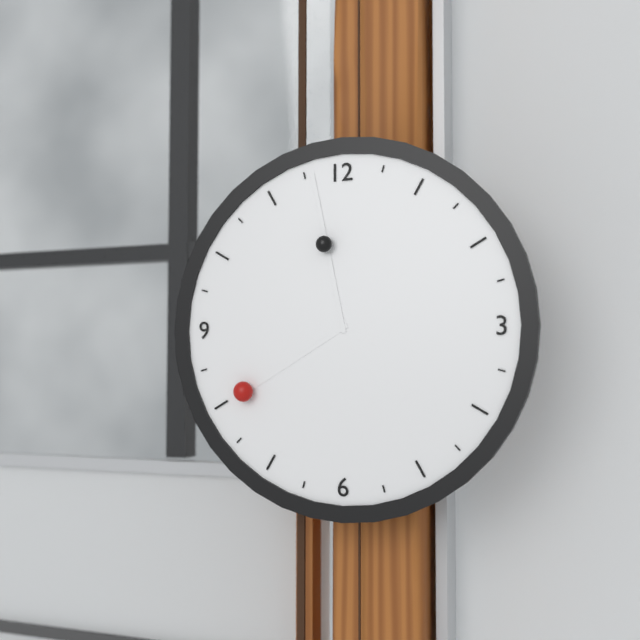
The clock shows 7:58
